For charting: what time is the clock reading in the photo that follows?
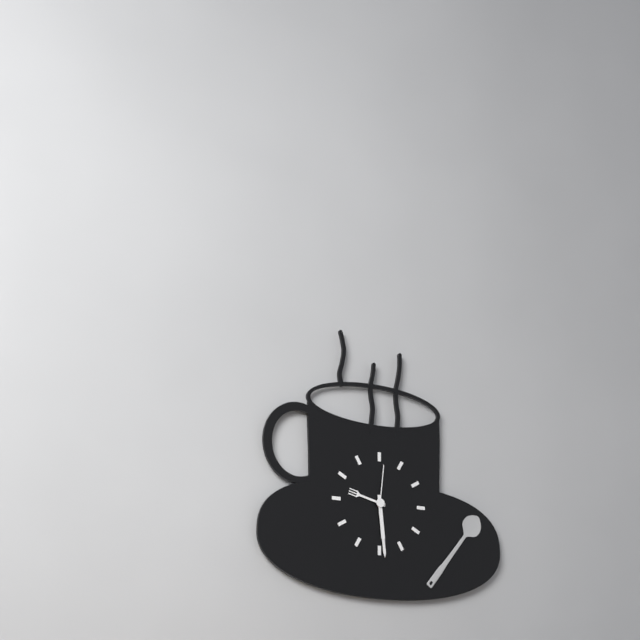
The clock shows 9:29
